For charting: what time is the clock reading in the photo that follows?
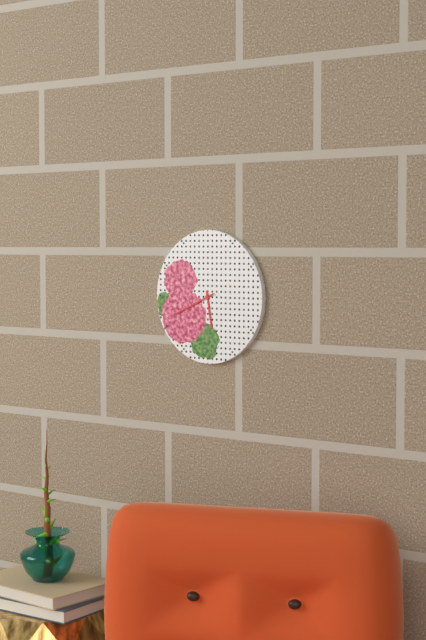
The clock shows 5:41
